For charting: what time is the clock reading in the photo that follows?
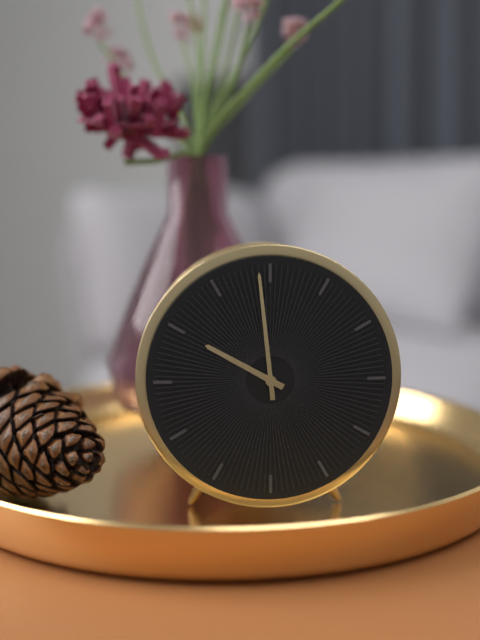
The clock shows 9:59
